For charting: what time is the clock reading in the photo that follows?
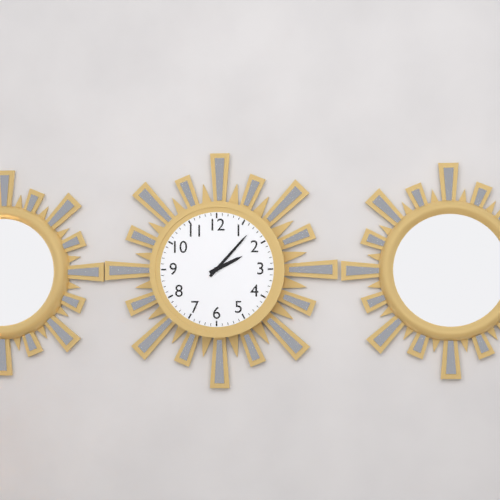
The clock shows 2:07
